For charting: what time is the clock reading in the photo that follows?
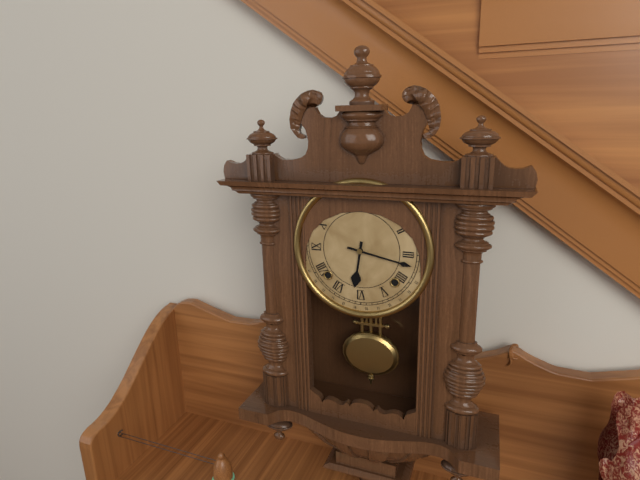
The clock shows 6:17
